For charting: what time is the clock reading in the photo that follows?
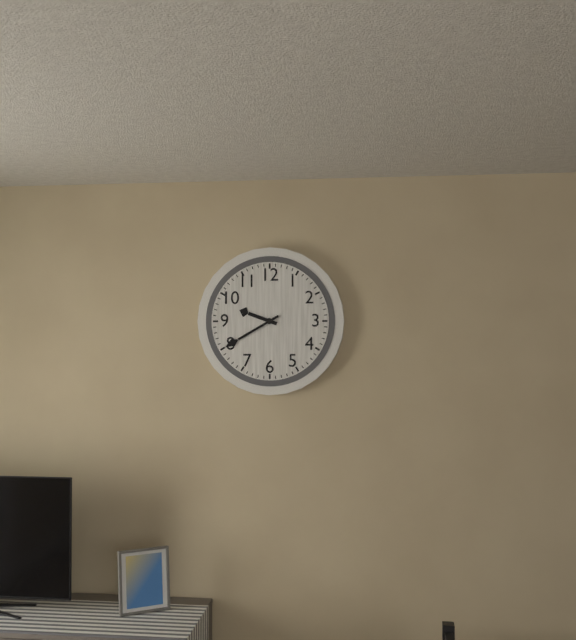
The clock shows 9:40
